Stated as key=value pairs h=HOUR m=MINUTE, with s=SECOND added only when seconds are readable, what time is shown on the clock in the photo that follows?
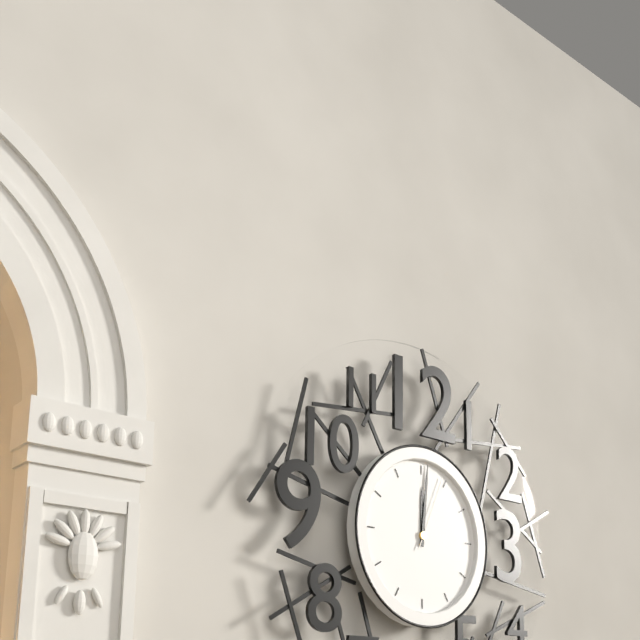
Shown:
h=12 m=1 s=4
